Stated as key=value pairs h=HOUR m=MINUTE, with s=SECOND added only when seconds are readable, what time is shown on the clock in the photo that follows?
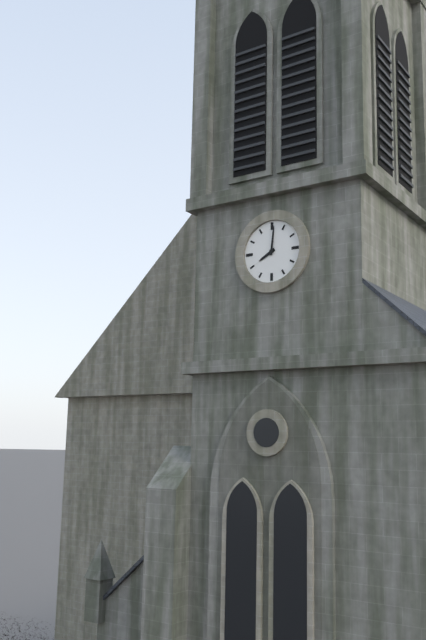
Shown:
h=8 m=1
